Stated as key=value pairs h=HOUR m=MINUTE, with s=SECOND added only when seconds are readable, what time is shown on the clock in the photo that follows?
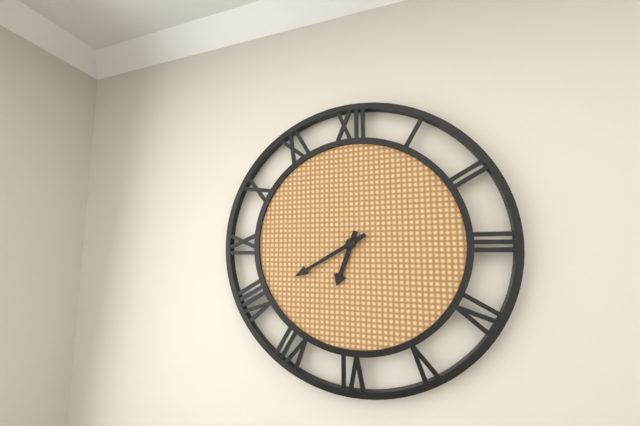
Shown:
h=6 m=40
